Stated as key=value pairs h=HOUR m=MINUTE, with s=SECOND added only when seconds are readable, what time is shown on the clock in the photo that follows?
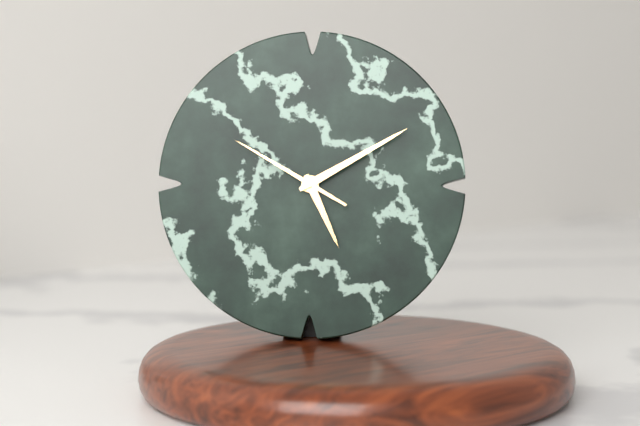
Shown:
h=5 m=10 s=50
